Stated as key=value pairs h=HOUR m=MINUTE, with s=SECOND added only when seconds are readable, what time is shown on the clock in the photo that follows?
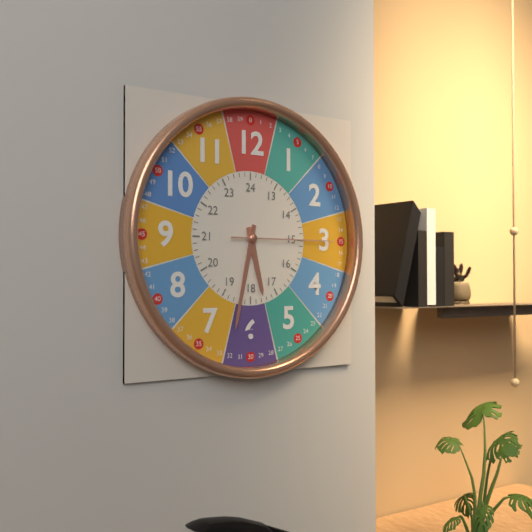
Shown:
h=5 m=32 s=15
